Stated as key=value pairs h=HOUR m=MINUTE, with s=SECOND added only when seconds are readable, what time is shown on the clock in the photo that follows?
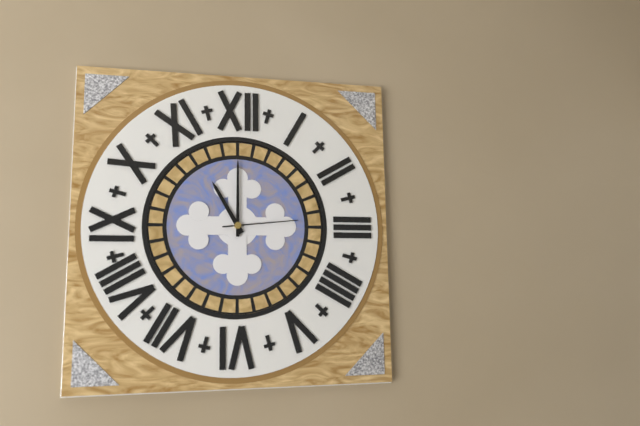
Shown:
h=11 m=0 s=14
